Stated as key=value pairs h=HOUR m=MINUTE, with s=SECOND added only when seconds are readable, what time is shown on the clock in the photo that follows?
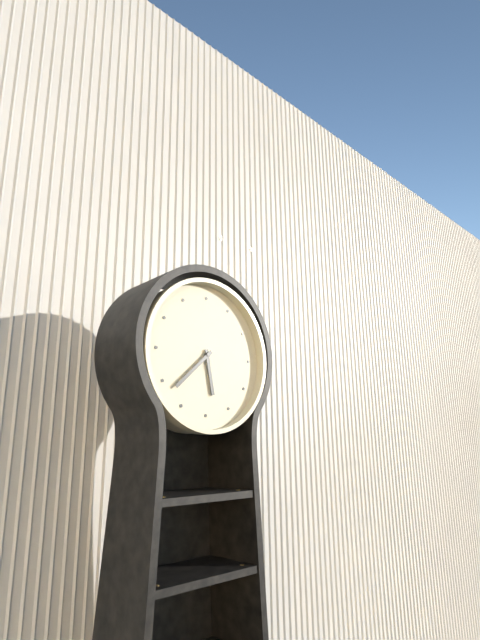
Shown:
h=5 m=38
